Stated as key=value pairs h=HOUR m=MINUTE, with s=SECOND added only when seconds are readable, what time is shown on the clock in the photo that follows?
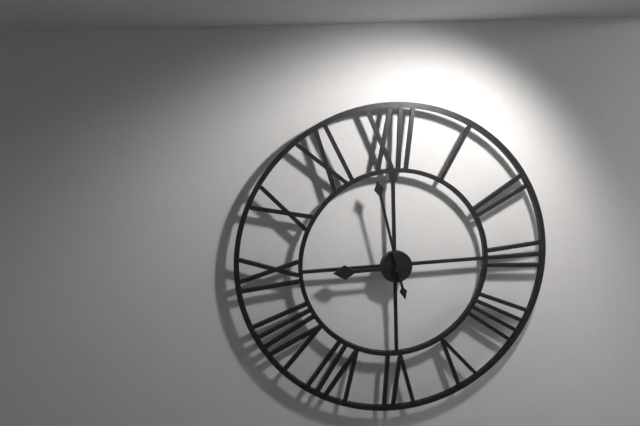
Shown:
h=8 m=58
